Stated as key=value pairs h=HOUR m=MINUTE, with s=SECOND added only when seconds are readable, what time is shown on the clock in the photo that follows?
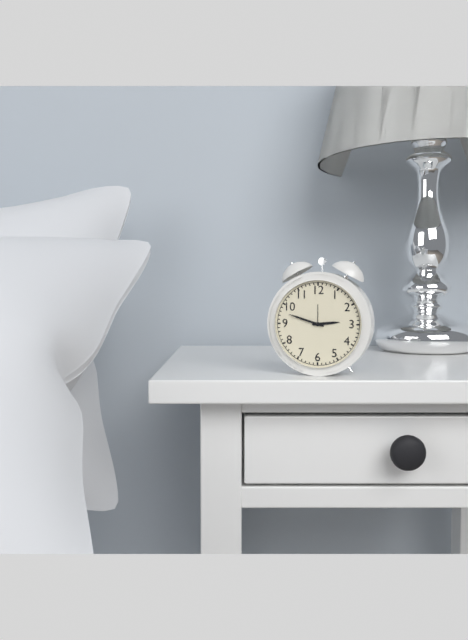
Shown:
h=2 m=48
